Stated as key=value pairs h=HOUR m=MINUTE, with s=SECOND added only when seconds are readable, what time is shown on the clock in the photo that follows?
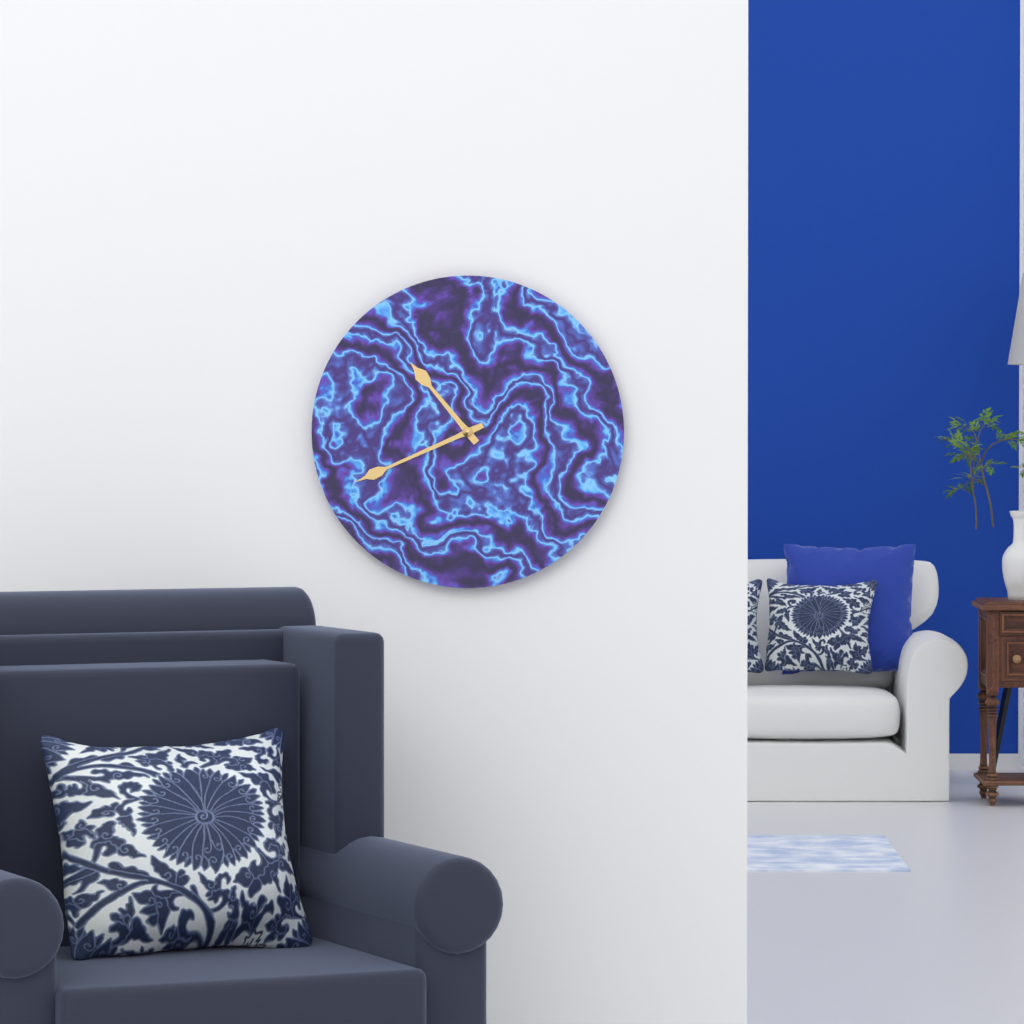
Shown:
h=10 m=41
